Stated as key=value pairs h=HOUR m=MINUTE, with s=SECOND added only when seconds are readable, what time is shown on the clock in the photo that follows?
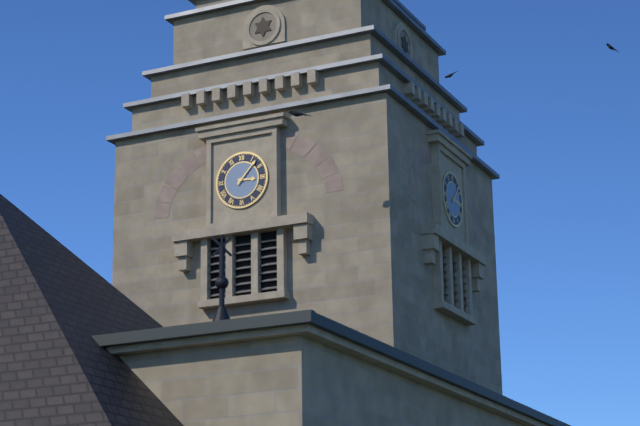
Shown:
h=3 m=7
